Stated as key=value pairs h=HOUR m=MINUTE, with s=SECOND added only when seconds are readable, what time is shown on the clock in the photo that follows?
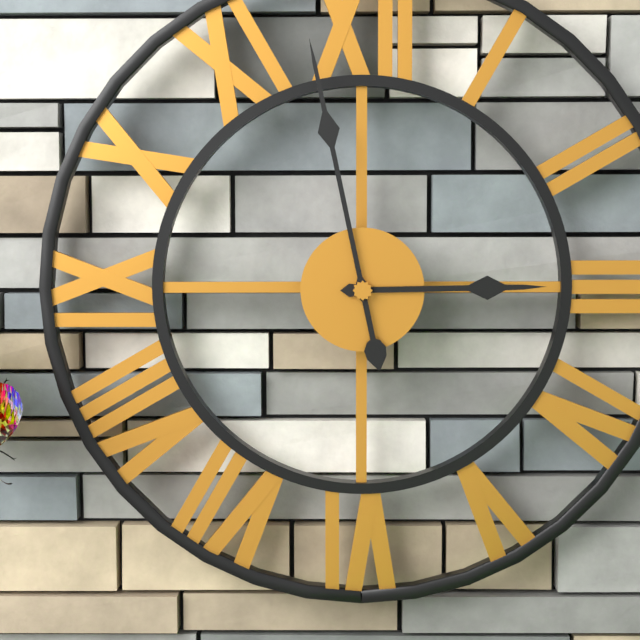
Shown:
h=2 m=58
